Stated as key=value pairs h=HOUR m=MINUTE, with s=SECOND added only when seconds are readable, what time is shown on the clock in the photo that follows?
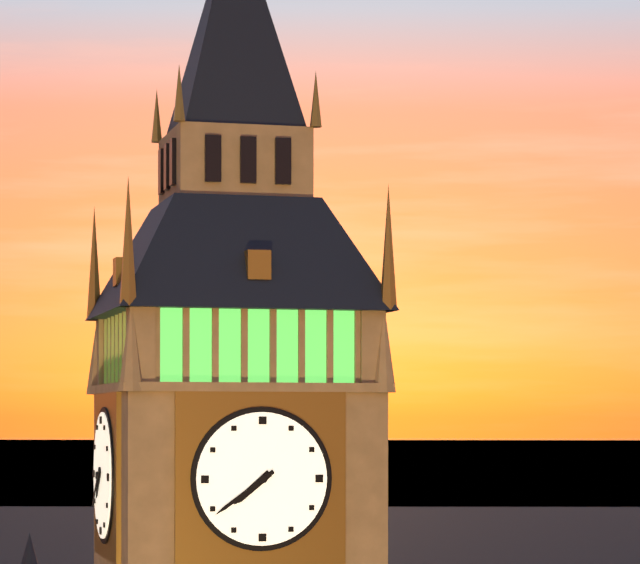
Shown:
h=7 m=39
